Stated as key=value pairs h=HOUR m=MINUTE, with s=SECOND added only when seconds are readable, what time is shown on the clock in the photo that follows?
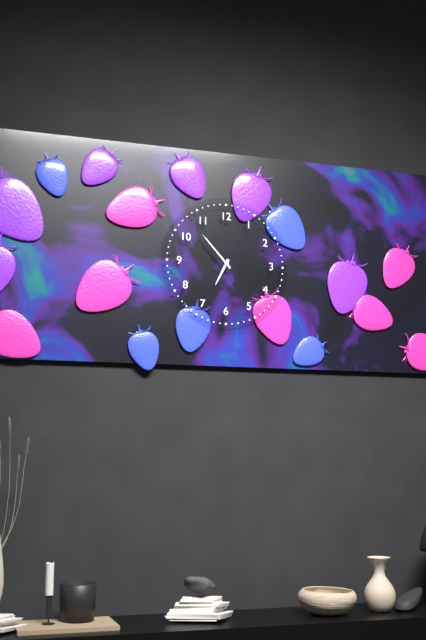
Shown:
h=6 m=53
